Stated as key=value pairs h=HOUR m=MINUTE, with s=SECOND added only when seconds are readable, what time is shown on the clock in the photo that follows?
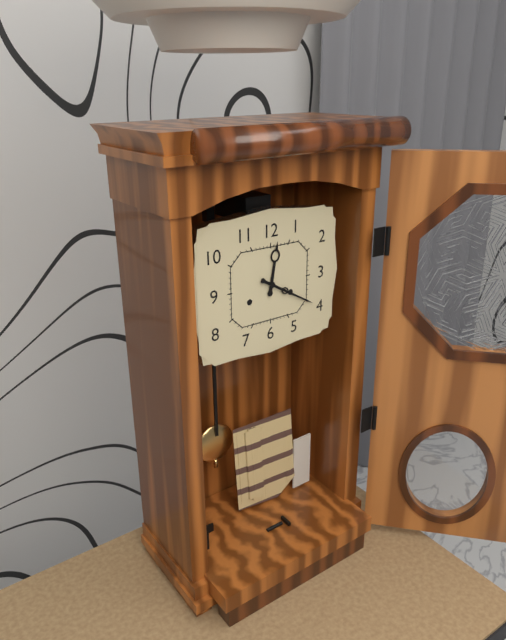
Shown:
h=12 m=20
